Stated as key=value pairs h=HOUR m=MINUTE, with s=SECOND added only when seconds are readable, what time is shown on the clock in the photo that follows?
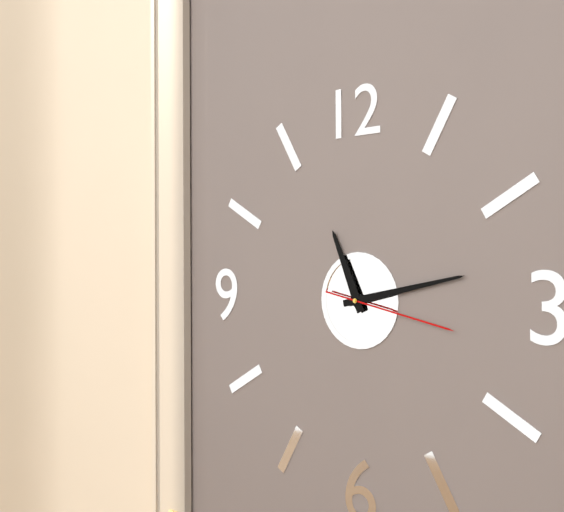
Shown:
h=11 m=13 s=17
